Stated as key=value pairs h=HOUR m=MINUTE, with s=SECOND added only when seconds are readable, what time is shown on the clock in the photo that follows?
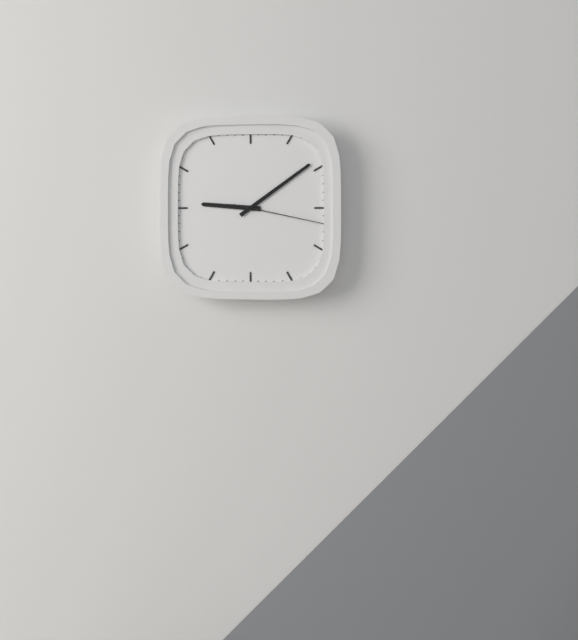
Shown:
h=9 m=9 s=17
